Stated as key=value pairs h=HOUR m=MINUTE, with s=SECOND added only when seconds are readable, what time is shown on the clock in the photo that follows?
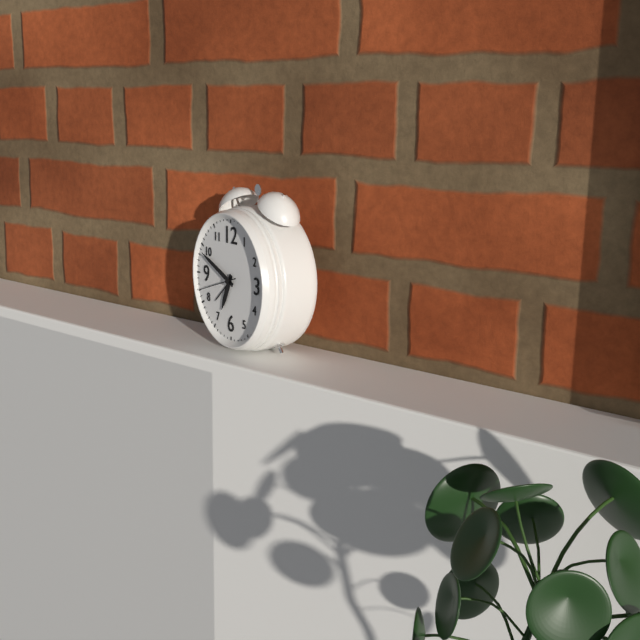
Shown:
h=6 m=49
